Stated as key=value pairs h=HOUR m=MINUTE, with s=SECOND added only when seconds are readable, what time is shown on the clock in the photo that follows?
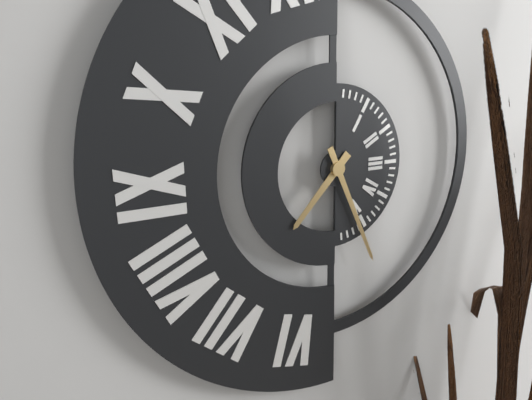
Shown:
h=7 m=26
